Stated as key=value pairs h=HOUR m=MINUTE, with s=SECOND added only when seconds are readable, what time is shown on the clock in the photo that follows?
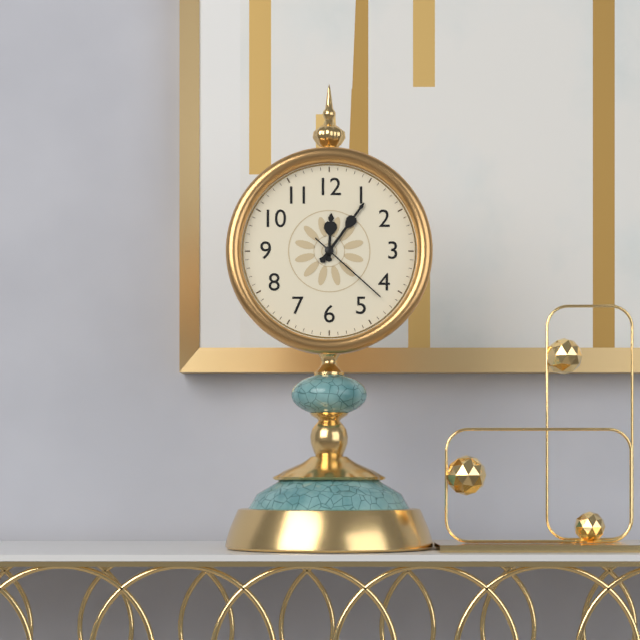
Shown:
h=12 m=6 s=22
